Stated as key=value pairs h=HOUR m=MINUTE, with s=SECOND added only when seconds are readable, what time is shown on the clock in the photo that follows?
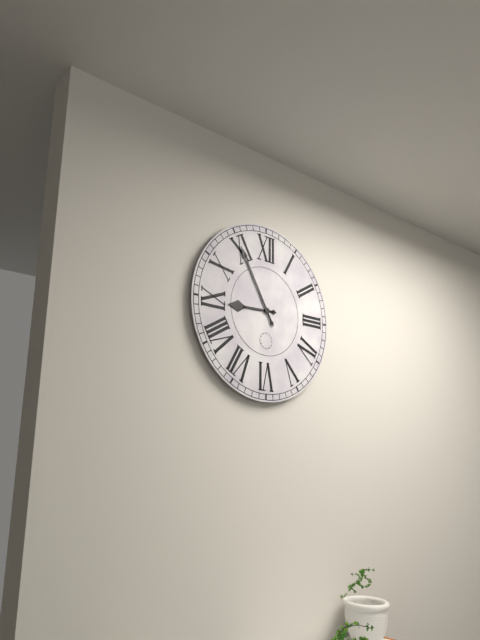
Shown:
h=8 m=55
